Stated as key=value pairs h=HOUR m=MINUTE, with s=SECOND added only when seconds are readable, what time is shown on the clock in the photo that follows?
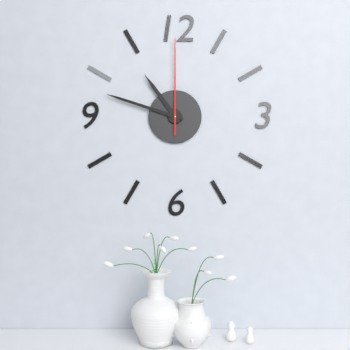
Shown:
h=10 m=48 s=0
